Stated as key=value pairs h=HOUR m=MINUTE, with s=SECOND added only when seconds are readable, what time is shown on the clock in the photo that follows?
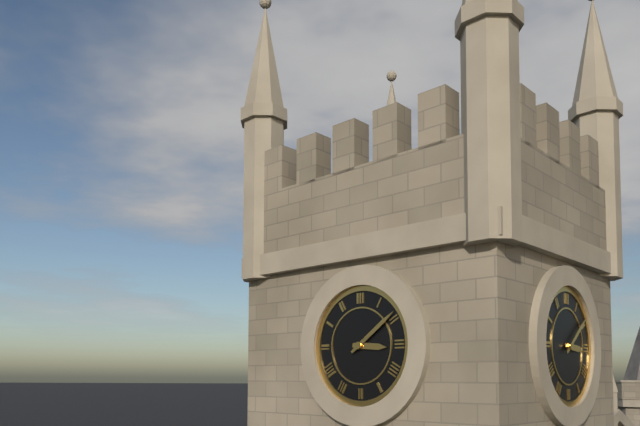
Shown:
h=3 m=9
